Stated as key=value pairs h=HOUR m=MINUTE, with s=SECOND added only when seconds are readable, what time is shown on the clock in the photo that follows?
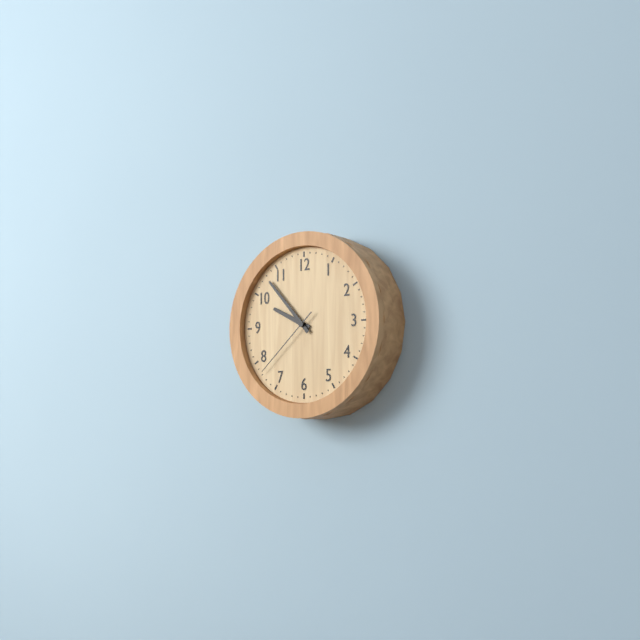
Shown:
h=9 m=53 s=38
